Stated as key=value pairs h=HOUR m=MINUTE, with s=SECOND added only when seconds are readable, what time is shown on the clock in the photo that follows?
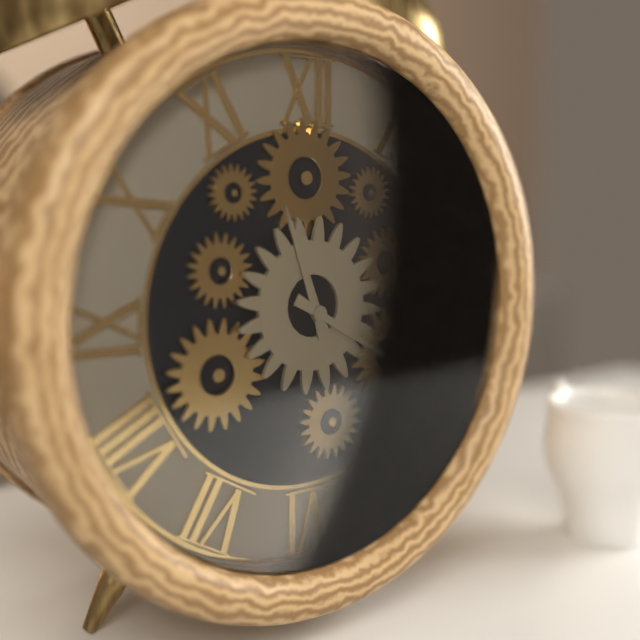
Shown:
h=11 m=20
